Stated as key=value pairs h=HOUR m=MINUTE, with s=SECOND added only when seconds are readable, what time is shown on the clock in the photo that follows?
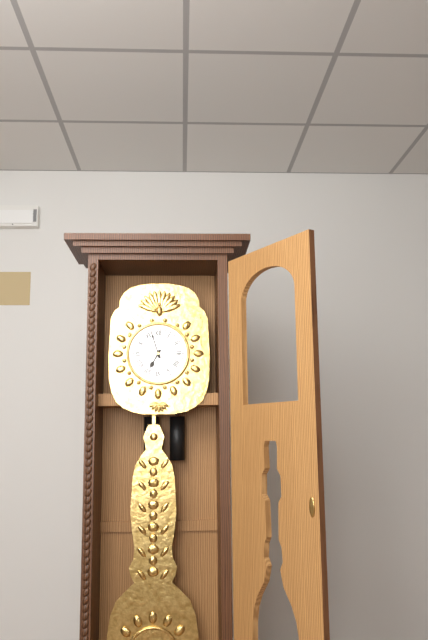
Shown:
h=6 m=57
